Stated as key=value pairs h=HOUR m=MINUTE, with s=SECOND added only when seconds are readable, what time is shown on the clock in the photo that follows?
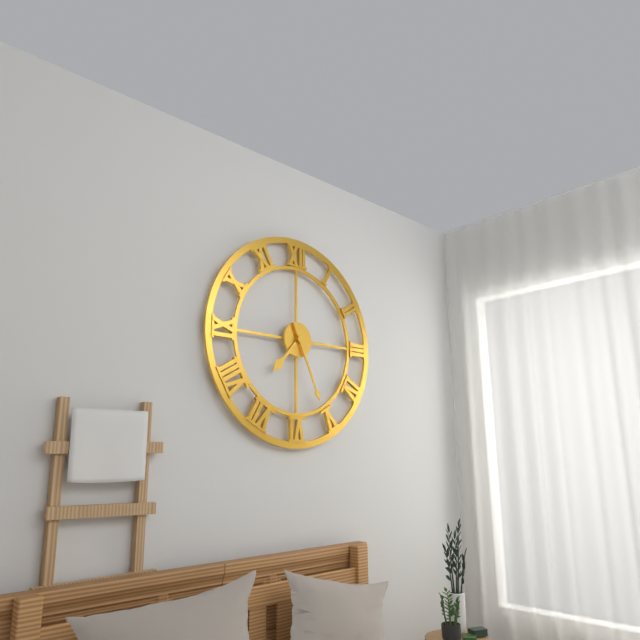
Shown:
h=7 m=26
